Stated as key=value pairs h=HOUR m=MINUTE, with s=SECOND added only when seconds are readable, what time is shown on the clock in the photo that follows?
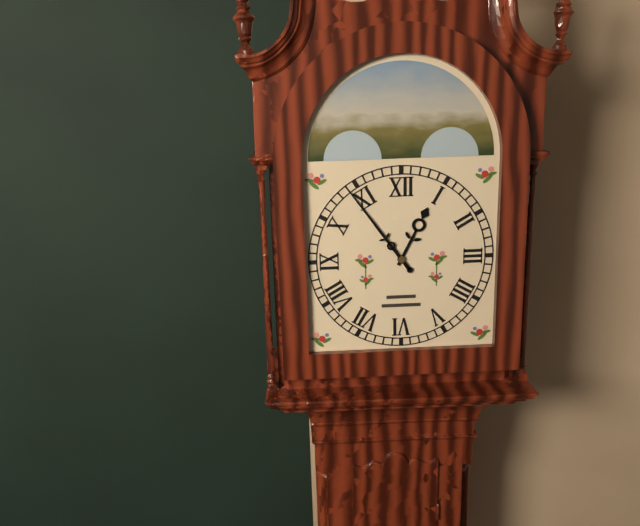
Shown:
h=12 m=54
